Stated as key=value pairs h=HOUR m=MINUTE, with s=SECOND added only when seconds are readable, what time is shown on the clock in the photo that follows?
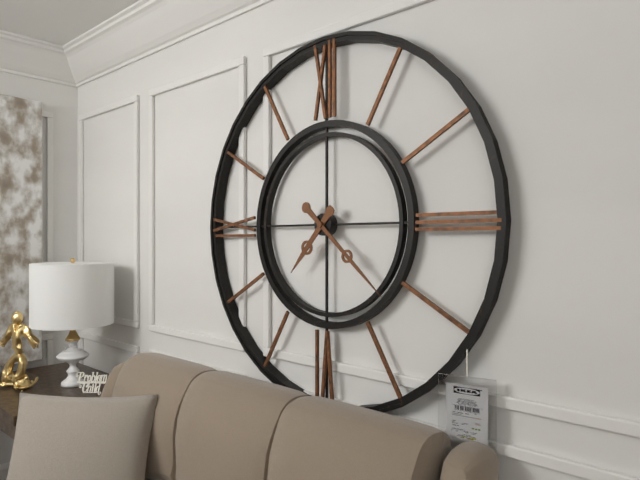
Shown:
h=7 m=22
